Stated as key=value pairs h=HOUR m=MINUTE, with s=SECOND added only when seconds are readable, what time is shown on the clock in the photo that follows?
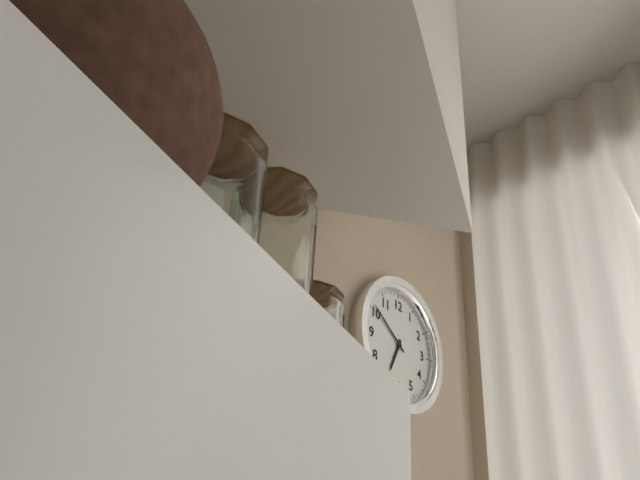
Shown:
h=6 m=51
